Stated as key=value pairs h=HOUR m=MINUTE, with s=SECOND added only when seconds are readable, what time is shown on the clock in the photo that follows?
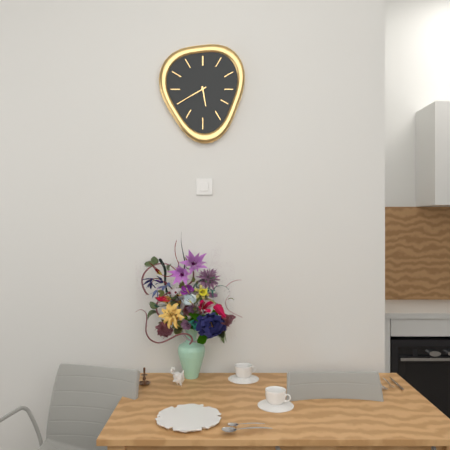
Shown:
h=5 m=40
